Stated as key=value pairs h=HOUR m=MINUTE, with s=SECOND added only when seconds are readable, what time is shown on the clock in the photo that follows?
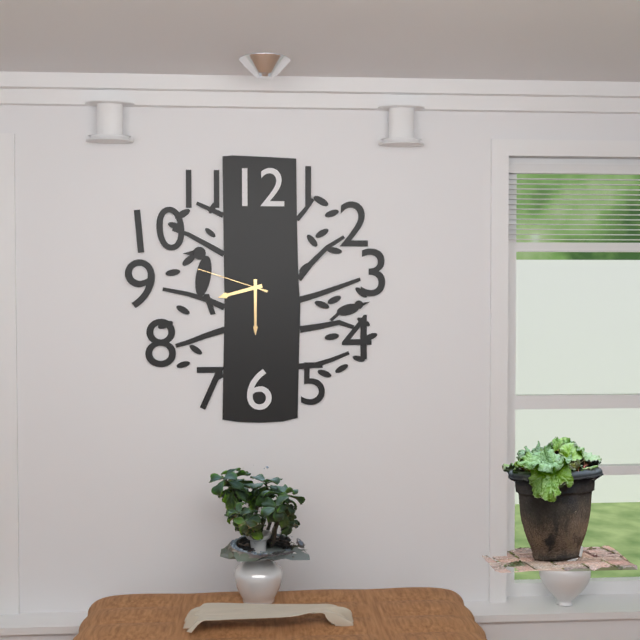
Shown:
h=8 m=30 s=48
